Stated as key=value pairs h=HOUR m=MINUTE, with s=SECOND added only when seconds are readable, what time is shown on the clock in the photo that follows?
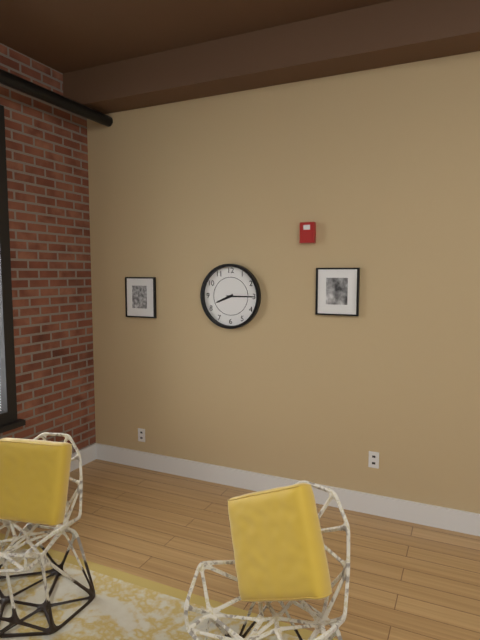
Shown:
h=8 m=15
